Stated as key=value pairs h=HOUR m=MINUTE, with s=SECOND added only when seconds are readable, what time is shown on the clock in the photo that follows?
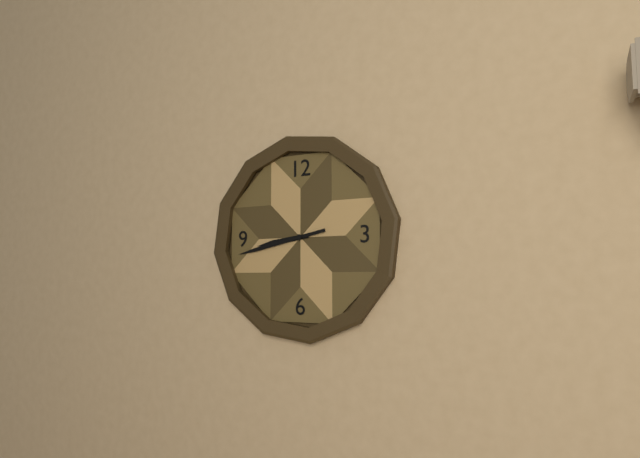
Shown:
h=8 m=43
